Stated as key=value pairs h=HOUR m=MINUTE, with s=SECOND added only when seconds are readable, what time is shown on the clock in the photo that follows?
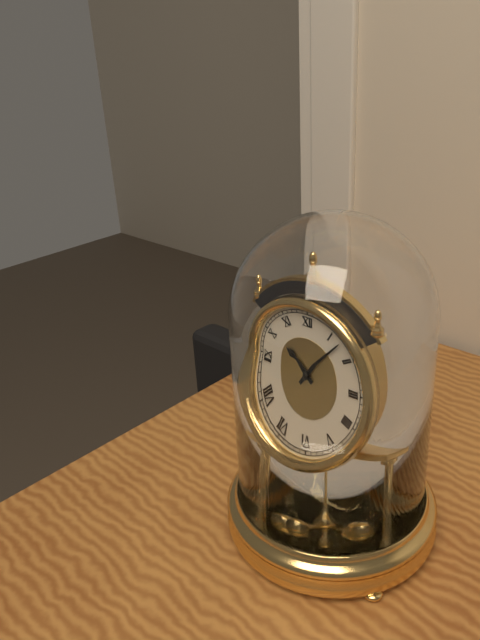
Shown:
h=10 m=7
